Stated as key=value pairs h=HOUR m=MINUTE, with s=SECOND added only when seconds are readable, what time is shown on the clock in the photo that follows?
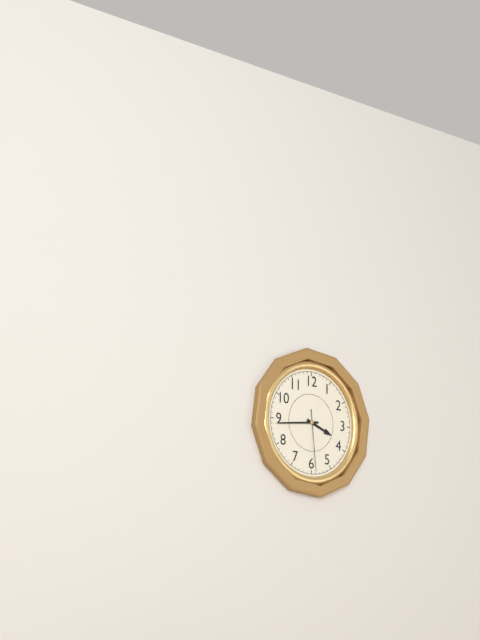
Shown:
h=3 m=44 s=29
